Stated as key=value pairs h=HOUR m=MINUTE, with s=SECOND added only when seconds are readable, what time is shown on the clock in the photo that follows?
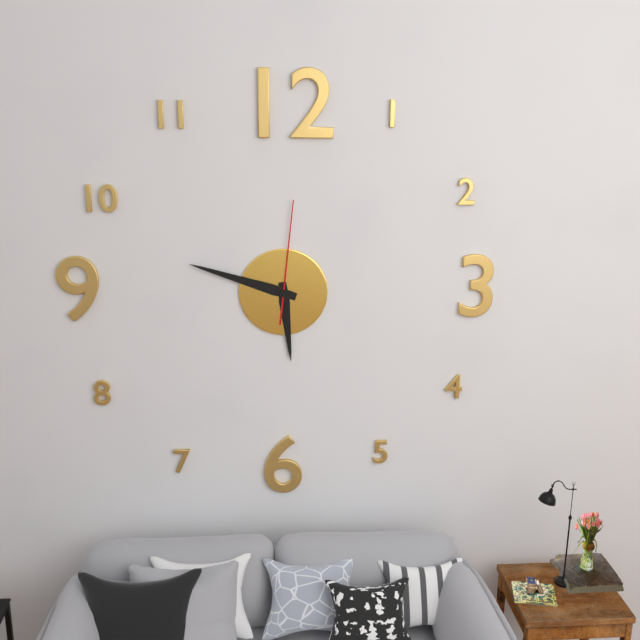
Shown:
h=5 m=48 s=1
